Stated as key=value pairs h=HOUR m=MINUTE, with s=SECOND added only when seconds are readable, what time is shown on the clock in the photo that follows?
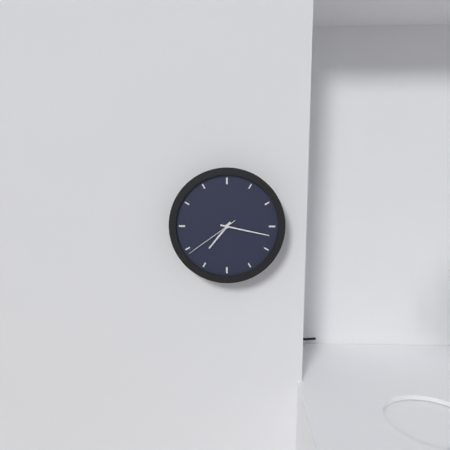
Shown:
h=7 m=17 s=39
